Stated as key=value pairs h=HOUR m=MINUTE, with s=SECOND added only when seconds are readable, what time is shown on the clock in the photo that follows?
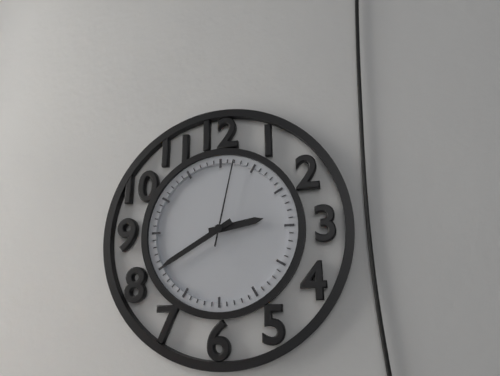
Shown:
h=2 m=40 s=2
